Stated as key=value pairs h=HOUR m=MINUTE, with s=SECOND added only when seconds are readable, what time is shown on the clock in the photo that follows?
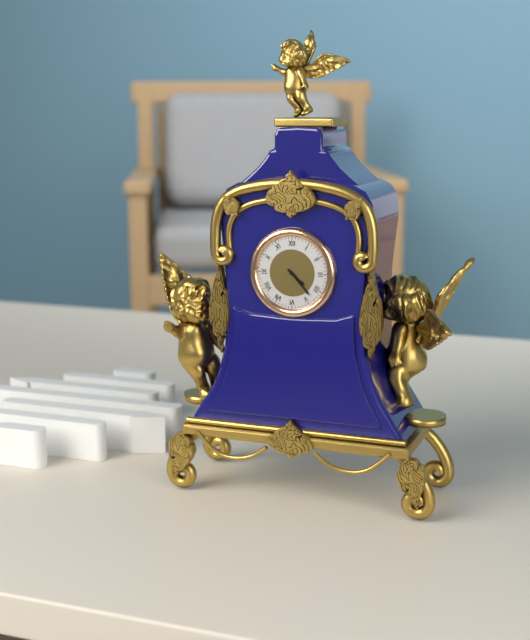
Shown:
h=4 m=23
